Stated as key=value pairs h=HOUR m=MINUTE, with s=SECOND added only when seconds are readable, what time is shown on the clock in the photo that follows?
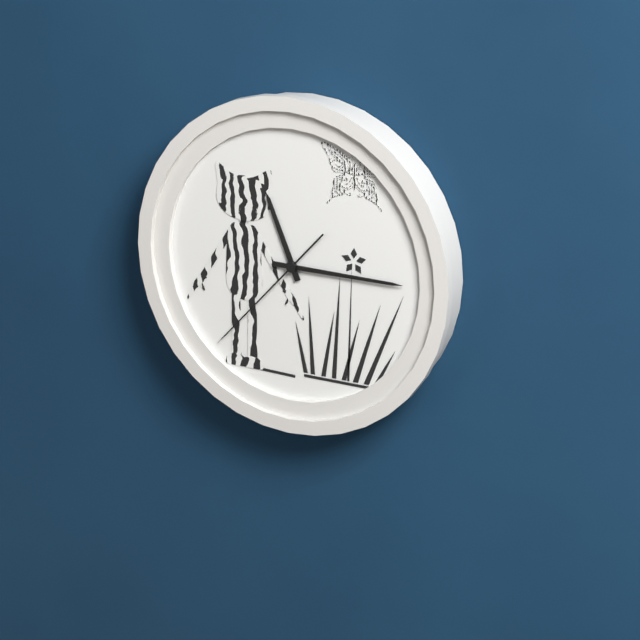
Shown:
h=11 m=15 s=37
